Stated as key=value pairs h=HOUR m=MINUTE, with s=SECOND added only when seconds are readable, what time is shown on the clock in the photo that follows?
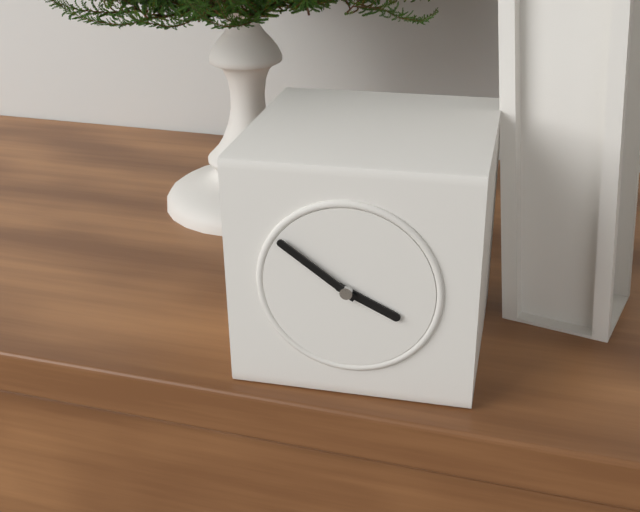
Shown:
h=3 m=51
